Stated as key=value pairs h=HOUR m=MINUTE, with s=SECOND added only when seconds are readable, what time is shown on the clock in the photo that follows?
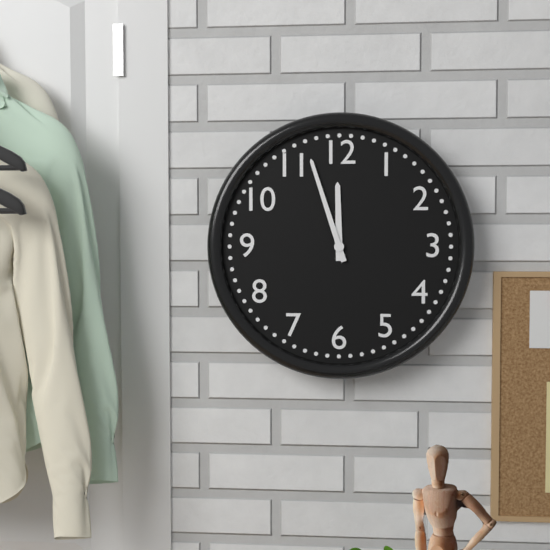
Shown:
h=11 m=57
